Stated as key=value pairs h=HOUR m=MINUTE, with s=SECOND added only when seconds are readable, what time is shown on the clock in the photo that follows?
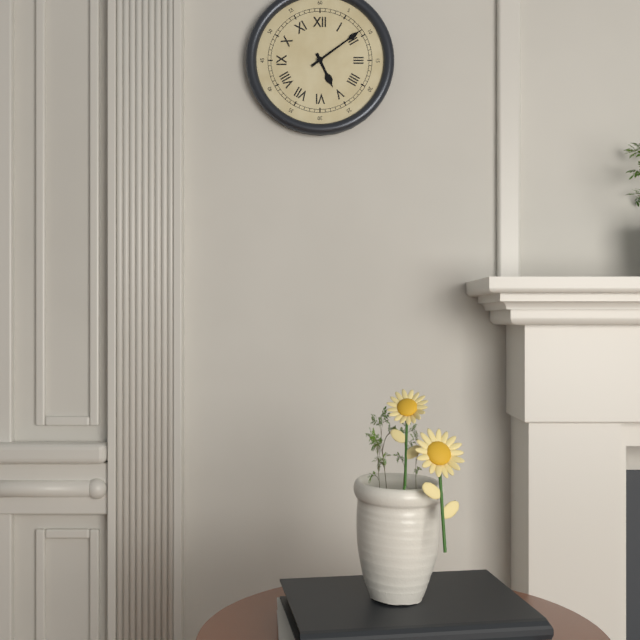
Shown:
h=5 m=9
